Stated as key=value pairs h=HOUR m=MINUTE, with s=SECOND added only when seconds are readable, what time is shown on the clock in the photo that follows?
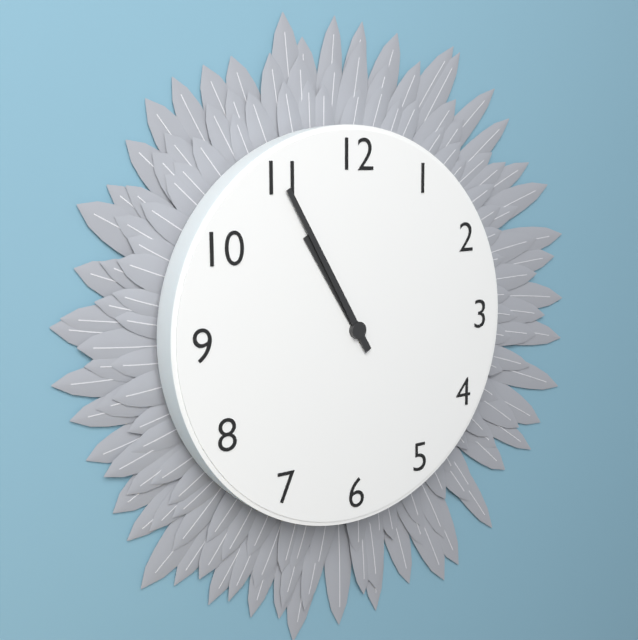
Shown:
h=10 m=55
